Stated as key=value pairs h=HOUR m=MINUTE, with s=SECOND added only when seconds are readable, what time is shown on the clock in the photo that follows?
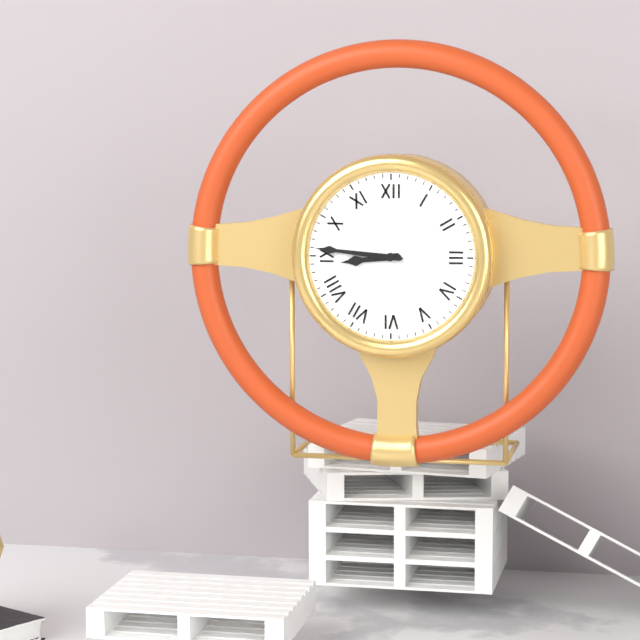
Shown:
h=8 m=46
